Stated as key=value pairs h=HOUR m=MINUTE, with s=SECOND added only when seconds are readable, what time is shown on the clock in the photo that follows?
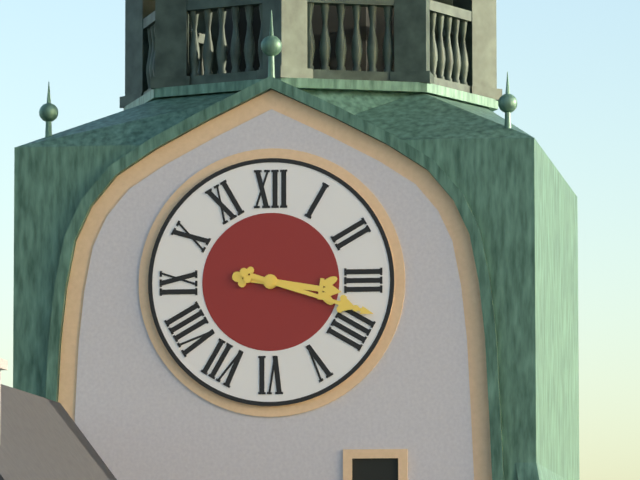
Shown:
h=3 m=18
